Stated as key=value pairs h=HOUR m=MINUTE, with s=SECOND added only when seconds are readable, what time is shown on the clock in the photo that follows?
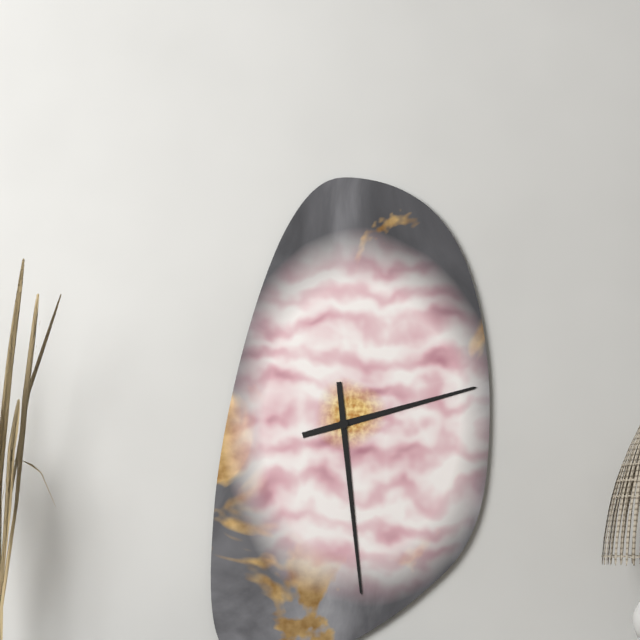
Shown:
h=2 m=29
